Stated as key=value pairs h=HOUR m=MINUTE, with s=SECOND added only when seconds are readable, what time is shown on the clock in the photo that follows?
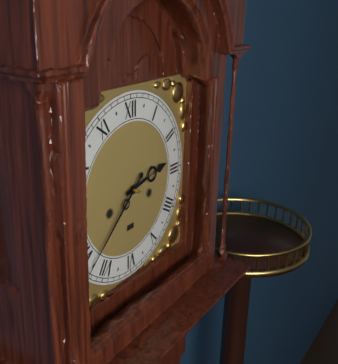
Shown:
h=2 m=38
